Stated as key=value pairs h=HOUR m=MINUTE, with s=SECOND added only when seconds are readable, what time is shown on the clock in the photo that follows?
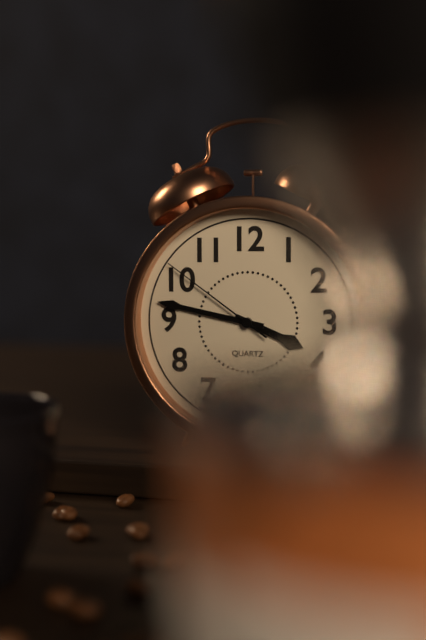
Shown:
h=3 m=47 s=51
